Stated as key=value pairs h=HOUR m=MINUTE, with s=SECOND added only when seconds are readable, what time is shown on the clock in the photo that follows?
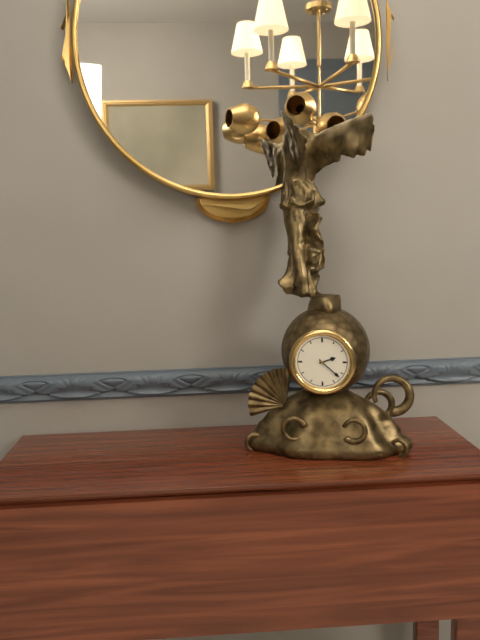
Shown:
h=2 m=22
